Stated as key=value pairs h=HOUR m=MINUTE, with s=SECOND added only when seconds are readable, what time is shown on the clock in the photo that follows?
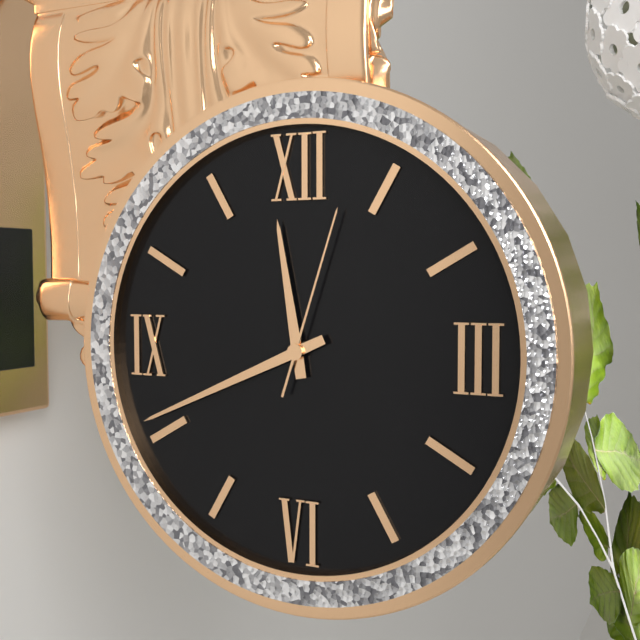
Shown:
h=11 m=41 s=3
